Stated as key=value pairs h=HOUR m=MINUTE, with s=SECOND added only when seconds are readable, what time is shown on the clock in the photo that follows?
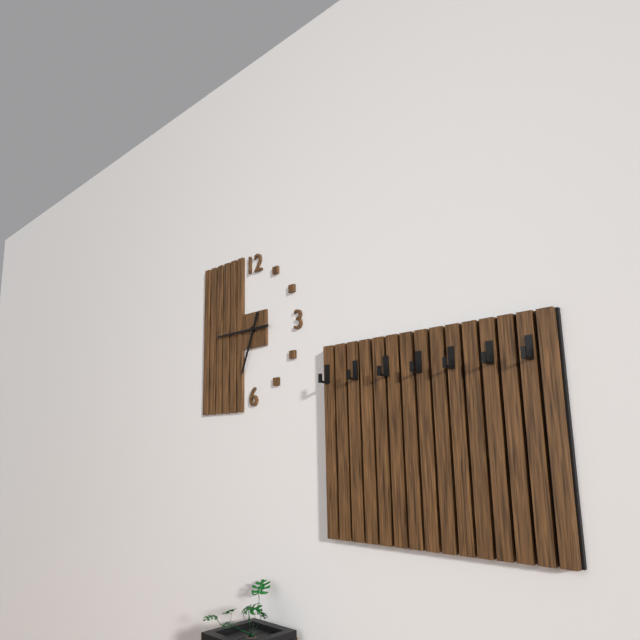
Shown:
h=6 m=45
